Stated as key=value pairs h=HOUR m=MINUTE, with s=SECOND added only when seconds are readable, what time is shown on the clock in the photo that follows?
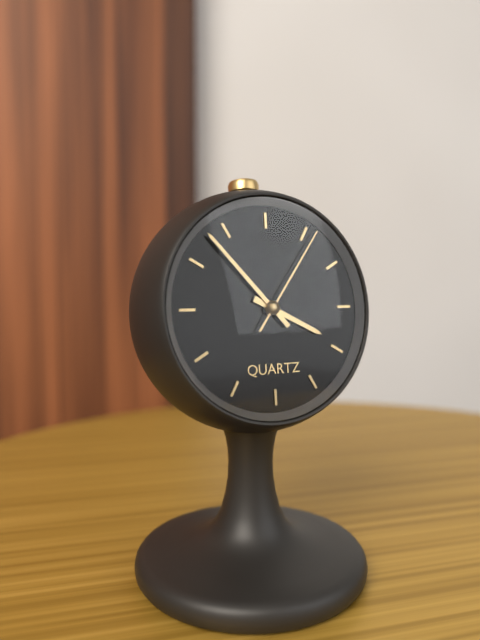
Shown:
h=3 m=53 s=6
